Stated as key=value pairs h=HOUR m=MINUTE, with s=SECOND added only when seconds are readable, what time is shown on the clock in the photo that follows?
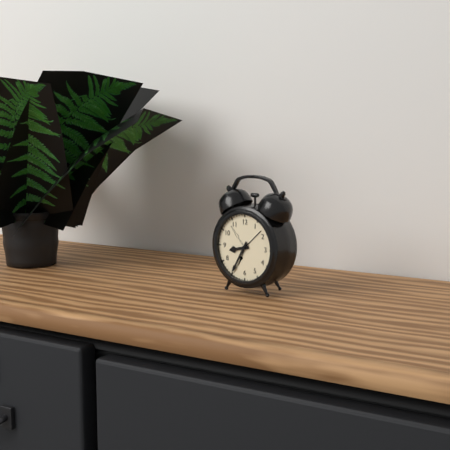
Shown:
h=8 m=35
